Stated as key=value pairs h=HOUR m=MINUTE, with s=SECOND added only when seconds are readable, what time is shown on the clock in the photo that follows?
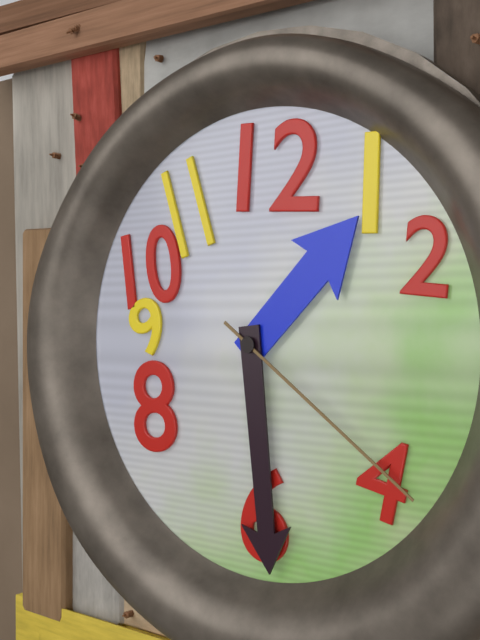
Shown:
h=1 m=29 s=21
